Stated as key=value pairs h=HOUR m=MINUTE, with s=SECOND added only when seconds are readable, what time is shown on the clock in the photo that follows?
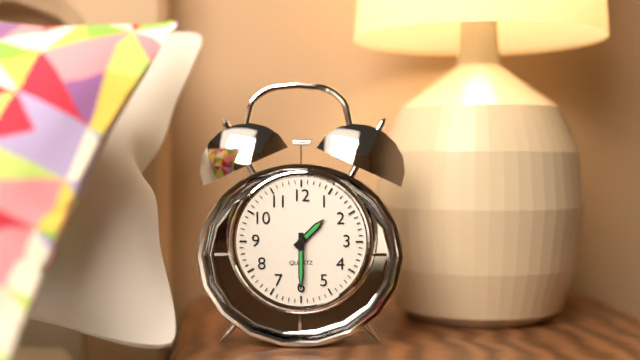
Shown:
h=1 m=30
